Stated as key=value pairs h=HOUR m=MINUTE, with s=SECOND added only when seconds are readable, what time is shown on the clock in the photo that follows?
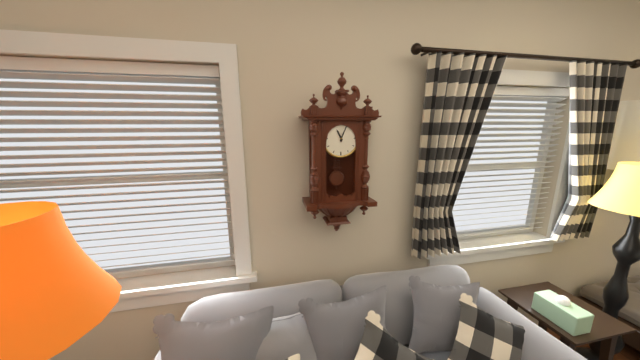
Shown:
h=11 m=4
